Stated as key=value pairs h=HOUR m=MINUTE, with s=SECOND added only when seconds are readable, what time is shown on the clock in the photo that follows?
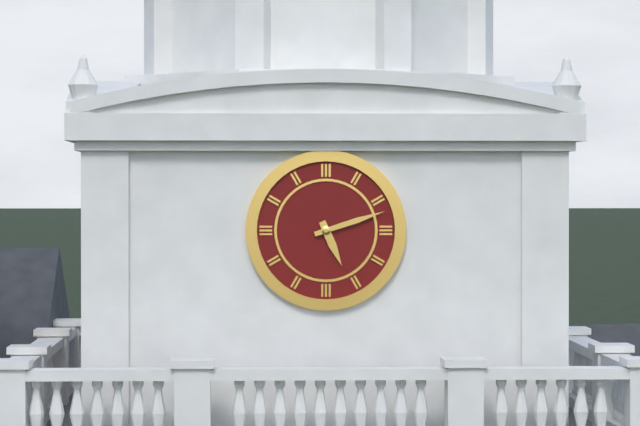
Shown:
h=5 m=12
